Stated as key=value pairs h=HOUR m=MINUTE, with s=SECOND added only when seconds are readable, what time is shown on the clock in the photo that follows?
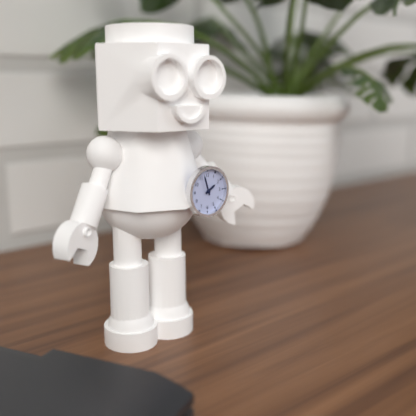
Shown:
h=1 m=57
